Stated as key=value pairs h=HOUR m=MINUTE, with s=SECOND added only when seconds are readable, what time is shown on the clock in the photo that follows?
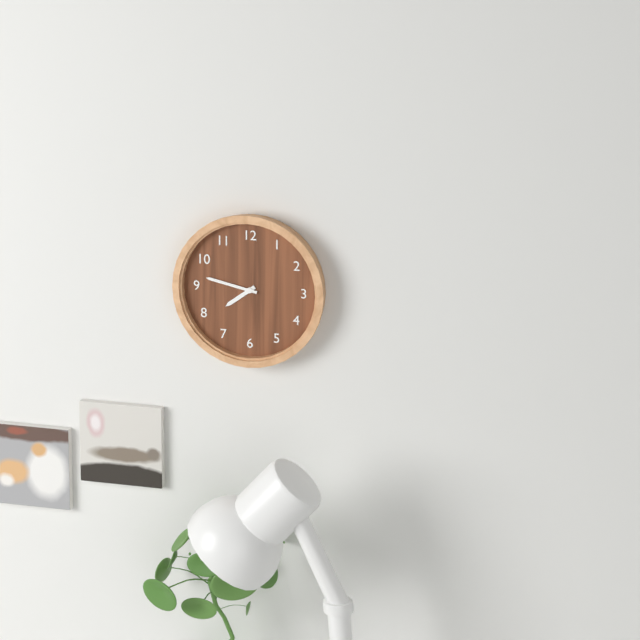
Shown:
h=7 m=47
